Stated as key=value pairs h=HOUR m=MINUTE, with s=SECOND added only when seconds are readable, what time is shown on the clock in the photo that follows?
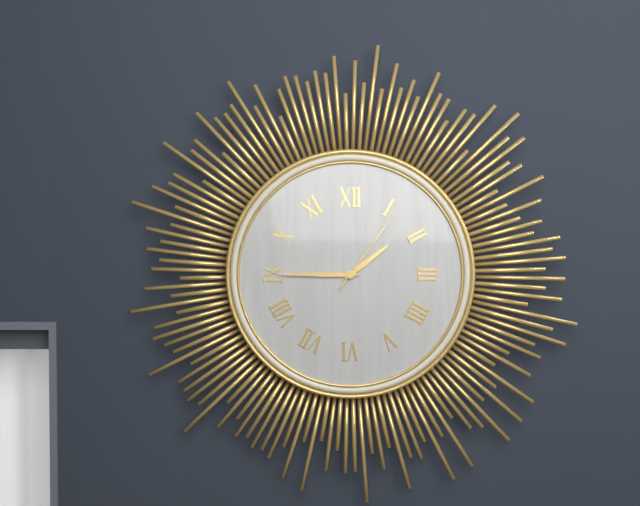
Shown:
h=1 m=45 s=6
